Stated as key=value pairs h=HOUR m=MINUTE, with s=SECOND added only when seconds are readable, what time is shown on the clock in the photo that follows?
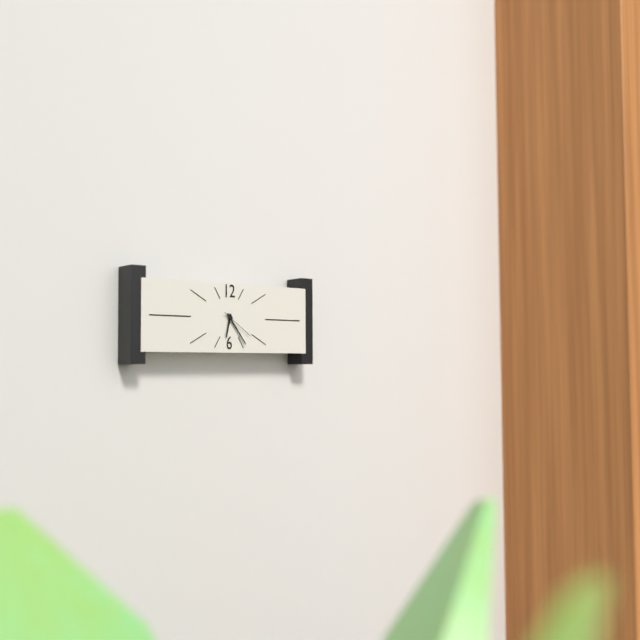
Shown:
h=6 m=24
